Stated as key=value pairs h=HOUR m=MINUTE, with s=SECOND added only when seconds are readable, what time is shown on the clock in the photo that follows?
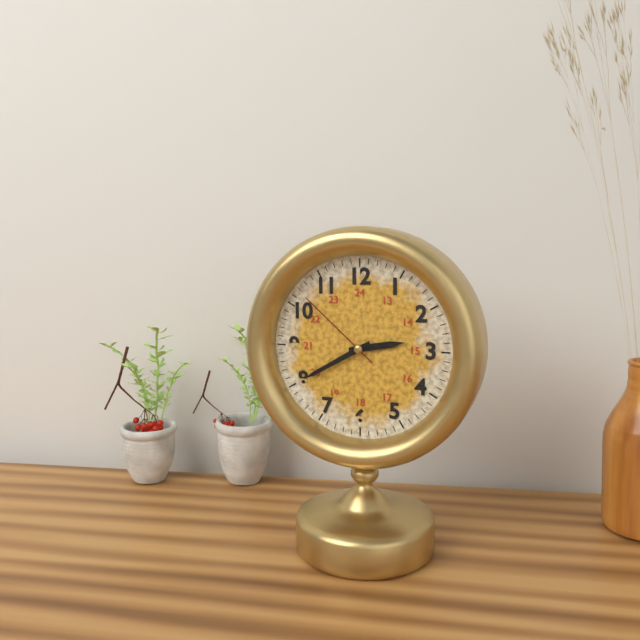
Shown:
h=2 m=40 s=52
